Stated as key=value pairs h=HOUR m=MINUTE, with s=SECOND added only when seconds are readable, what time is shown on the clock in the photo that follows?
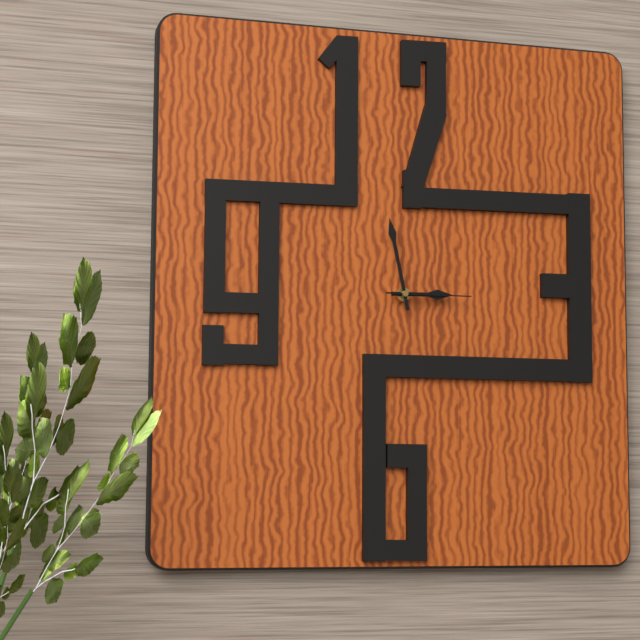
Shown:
h=2 m=58 s=15
